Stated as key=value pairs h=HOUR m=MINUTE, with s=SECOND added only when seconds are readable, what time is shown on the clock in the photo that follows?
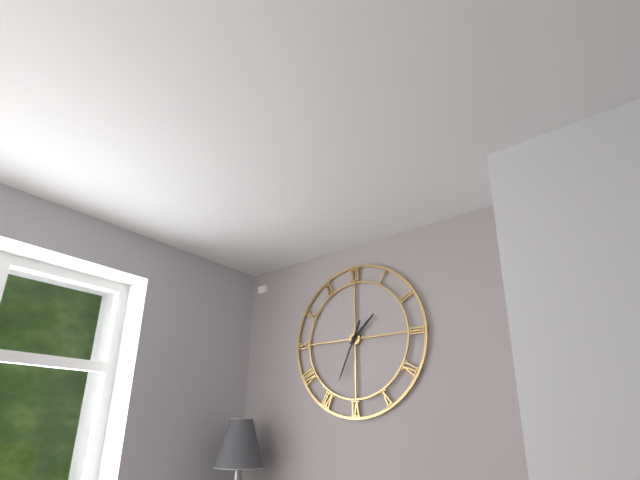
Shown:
h=1 m=34
